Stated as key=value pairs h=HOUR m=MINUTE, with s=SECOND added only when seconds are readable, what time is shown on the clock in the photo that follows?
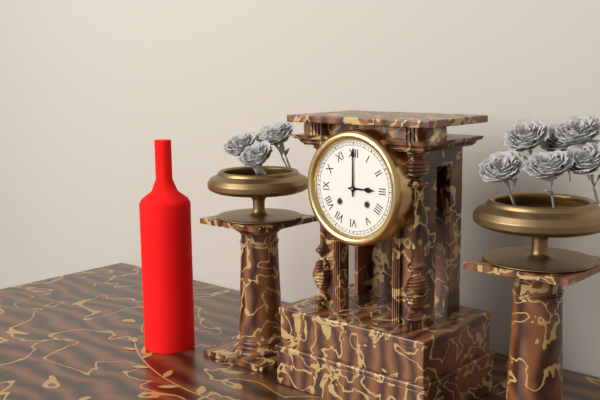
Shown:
h=3 m=0
